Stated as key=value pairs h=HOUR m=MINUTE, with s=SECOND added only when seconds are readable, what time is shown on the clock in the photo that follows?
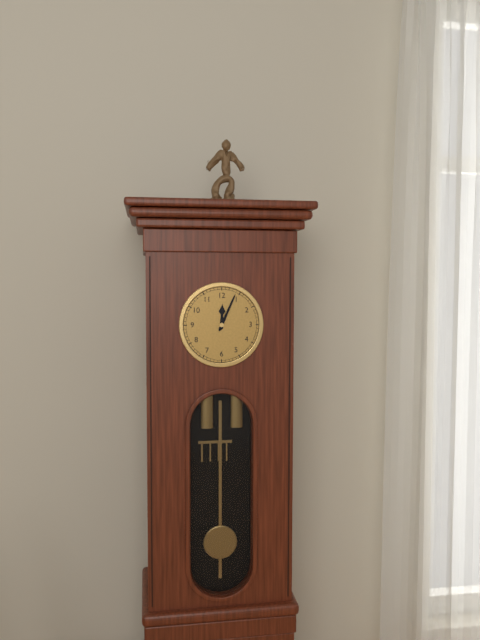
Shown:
h=12 m=4
